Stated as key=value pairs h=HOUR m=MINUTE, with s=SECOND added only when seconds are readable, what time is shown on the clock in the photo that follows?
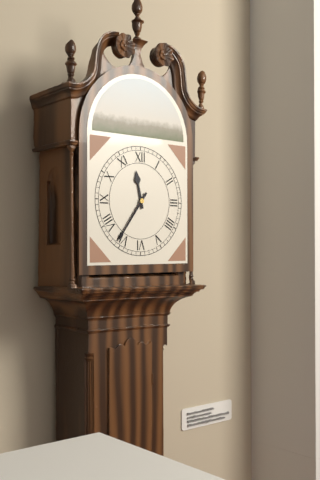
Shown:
h=11 m=36
